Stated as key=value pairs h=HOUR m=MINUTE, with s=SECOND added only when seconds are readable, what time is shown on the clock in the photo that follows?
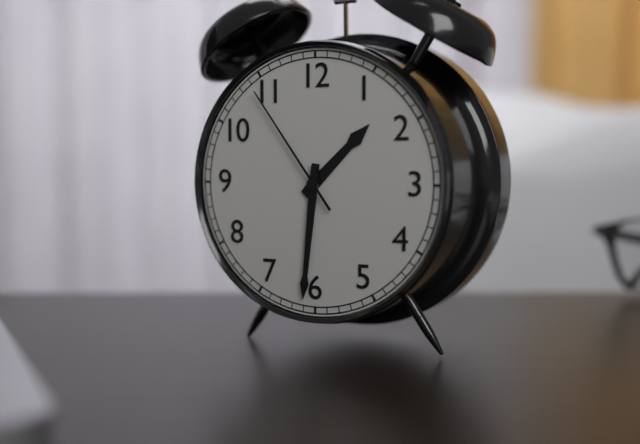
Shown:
h=1 m=31 s=54
